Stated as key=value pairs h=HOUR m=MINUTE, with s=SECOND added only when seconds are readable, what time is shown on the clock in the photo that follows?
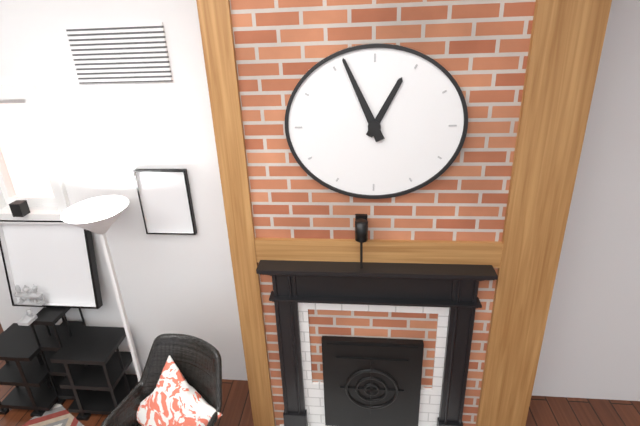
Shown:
h=12 m=56
